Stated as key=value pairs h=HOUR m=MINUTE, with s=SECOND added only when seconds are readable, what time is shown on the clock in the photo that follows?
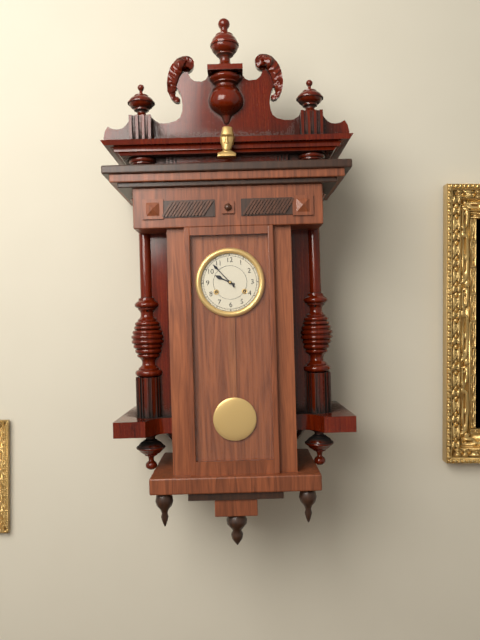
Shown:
h=9 m=53
